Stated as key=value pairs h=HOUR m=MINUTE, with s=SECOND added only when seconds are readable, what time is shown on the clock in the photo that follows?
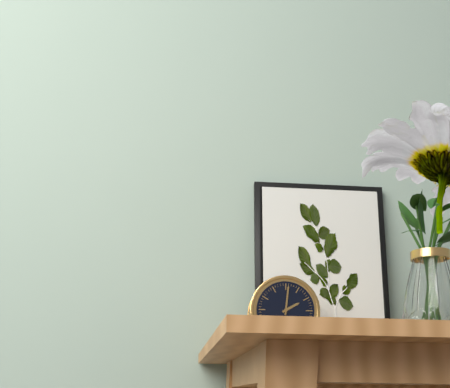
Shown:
h=2 m=1
